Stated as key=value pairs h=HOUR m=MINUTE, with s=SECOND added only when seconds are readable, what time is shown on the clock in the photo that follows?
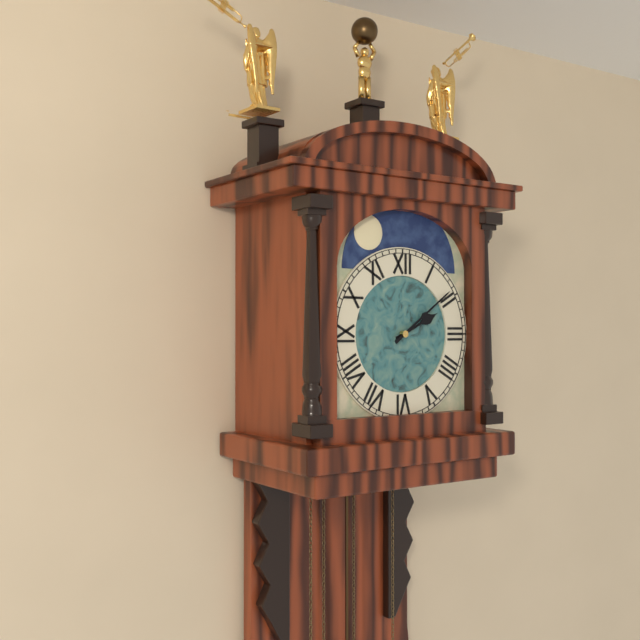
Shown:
h=2 m=9
